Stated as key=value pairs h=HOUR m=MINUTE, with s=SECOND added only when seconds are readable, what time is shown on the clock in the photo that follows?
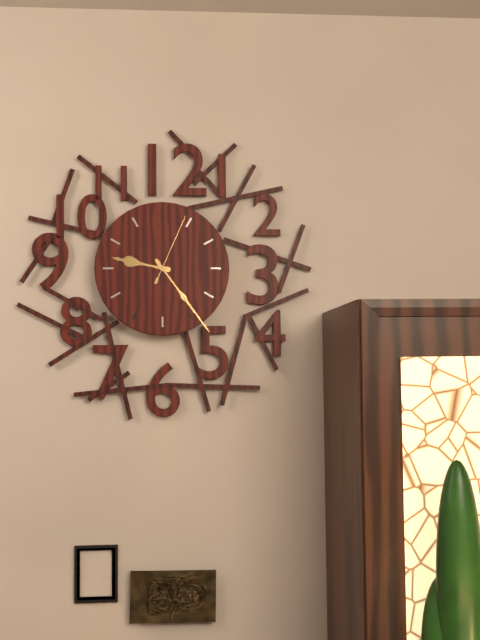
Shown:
h=9 m=24 s=4
